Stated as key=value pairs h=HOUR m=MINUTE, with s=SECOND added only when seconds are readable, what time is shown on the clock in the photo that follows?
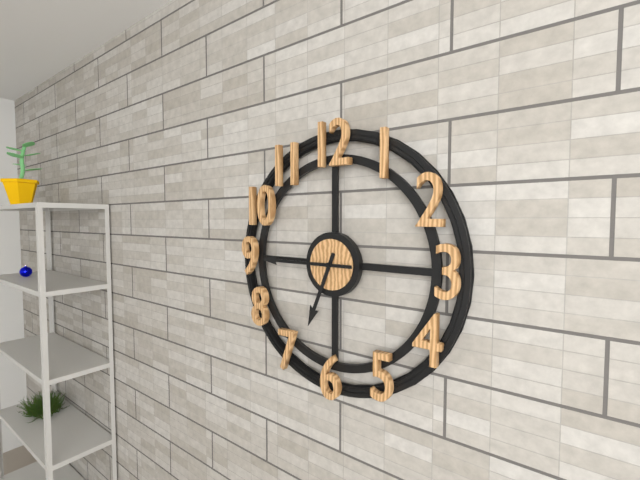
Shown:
h=6 m=45
